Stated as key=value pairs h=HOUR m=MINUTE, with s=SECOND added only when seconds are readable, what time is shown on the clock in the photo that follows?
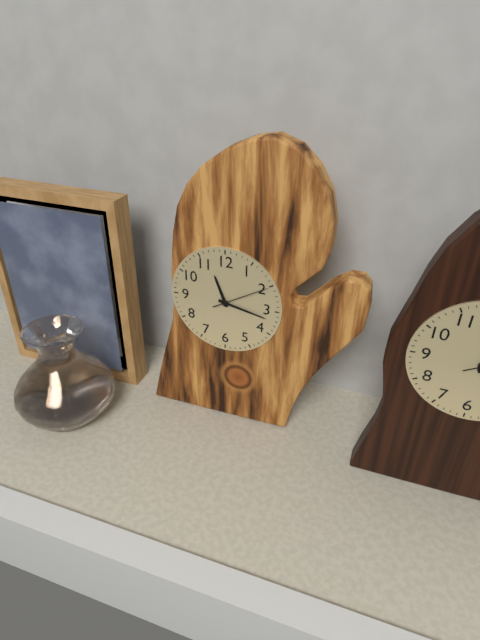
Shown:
h=11 m=17 s=10
